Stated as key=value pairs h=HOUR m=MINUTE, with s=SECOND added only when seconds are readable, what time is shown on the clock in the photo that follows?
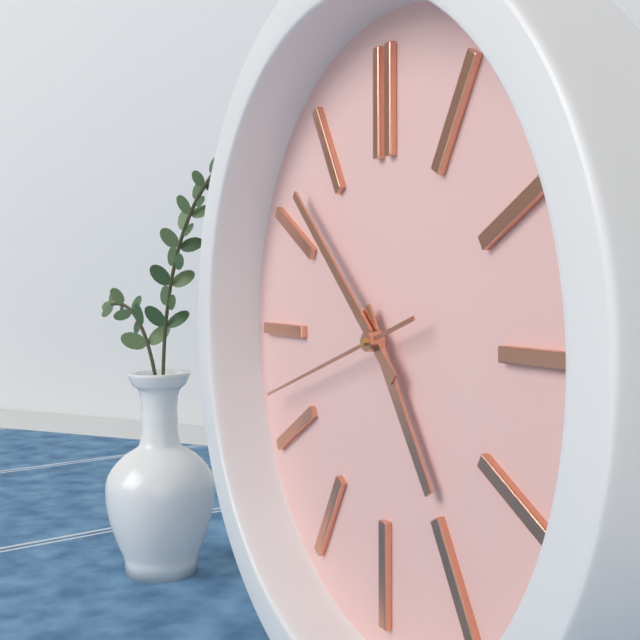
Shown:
h=4 m=52 s=42
